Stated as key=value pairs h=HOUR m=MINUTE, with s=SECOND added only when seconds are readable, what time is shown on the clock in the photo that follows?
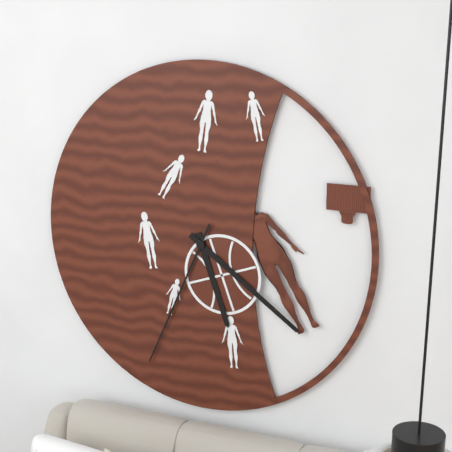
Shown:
h=5 m=21 s=34
